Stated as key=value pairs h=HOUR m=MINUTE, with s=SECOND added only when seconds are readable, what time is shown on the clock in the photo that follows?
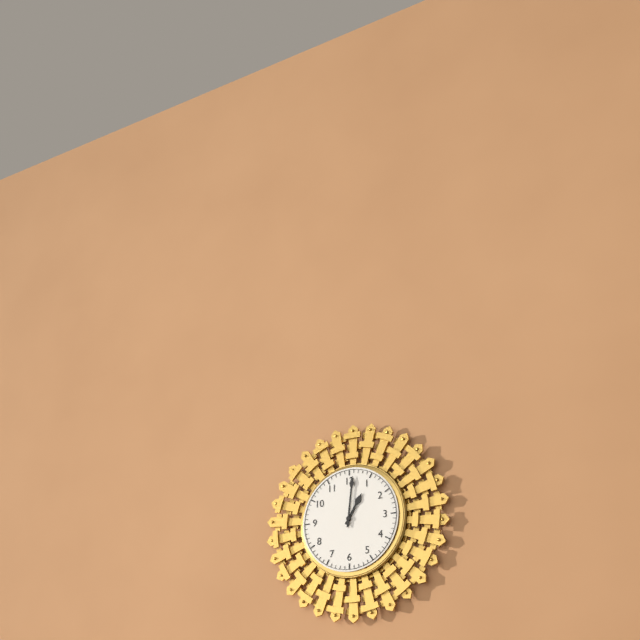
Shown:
h=1 m=1
